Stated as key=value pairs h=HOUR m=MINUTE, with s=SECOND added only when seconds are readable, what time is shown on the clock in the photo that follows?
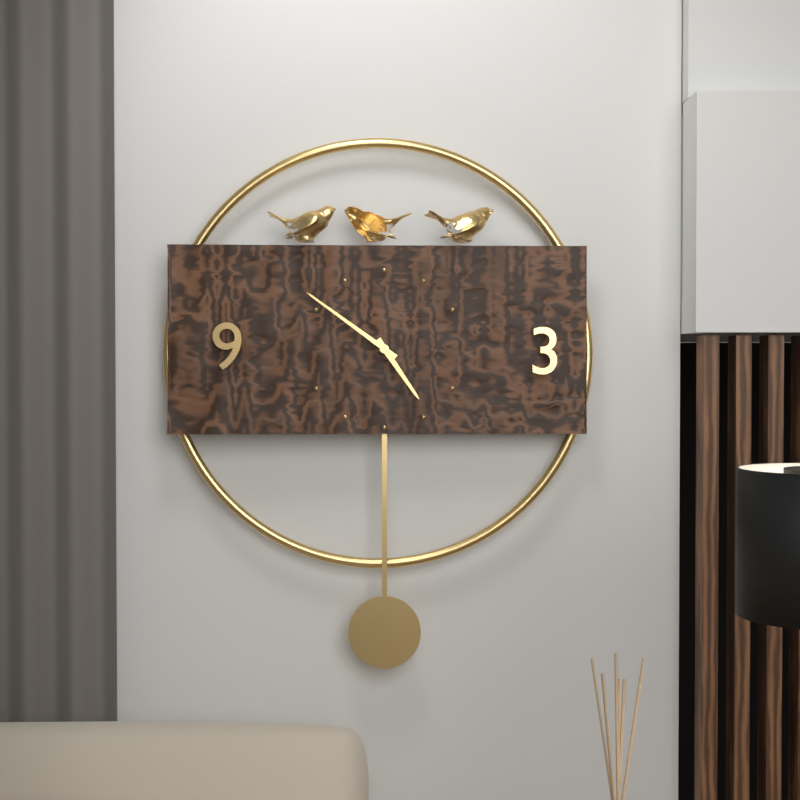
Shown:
h=4 m=51
